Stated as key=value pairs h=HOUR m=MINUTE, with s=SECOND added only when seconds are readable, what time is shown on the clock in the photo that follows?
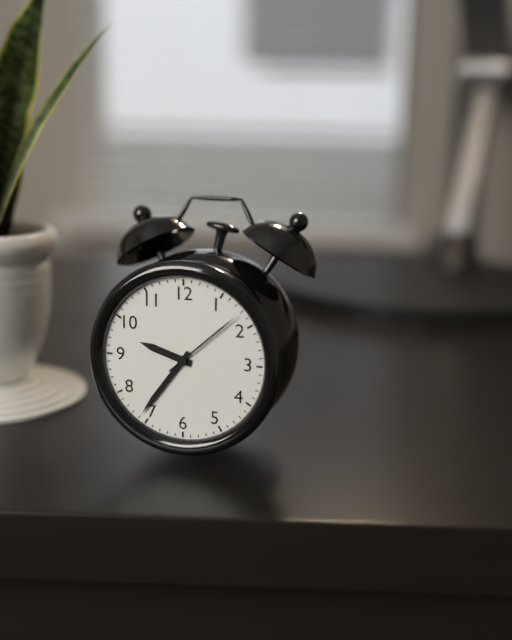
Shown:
h=9 m=36 s=8
